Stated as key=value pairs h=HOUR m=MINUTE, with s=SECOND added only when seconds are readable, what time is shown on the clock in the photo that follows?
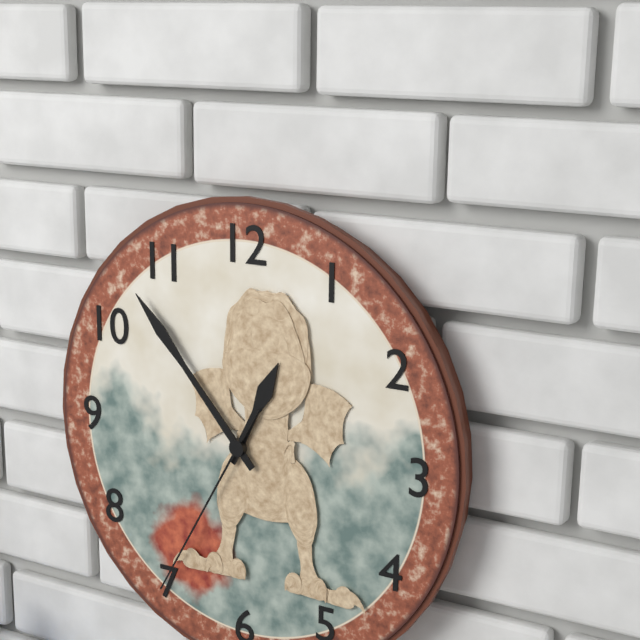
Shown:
h=12 m=53 s=35
